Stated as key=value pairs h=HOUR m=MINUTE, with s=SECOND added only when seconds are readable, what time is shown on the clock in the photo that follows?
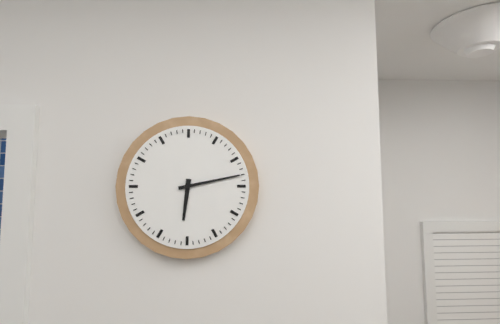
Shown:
h=6 m=13
